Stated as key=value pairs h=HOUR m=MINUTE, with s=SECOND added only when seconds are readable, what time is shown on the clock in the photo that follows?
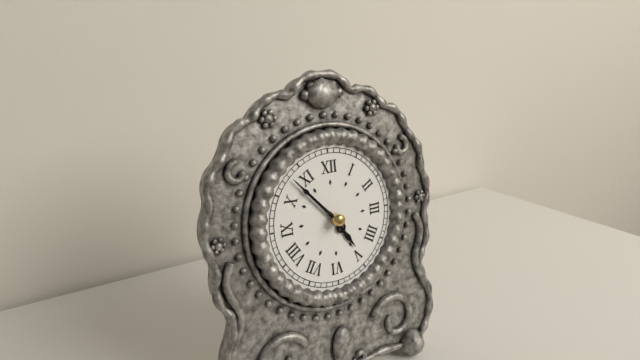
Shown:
h=4 m=53
